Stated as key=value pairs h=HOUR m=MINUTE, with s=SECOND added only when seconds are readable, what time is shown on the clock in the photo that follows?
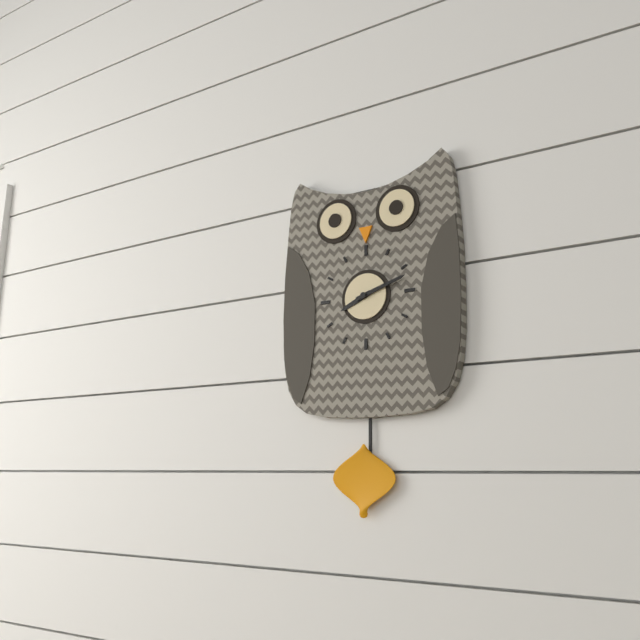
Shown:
h=8 m=12
